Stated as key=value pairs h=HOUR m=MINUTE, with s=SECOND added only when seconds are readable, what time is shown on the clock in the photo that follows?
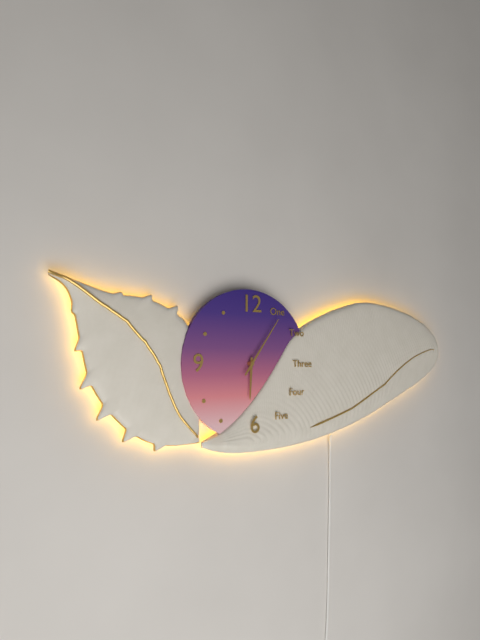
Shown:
h=6 m=6
